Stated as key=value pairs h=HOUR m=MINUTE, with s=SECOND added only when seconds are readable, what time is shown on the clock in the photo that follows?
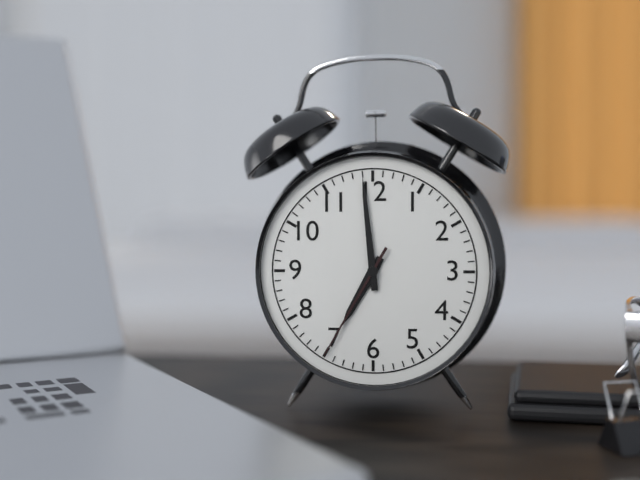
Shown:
h=6 m=59 s=35
